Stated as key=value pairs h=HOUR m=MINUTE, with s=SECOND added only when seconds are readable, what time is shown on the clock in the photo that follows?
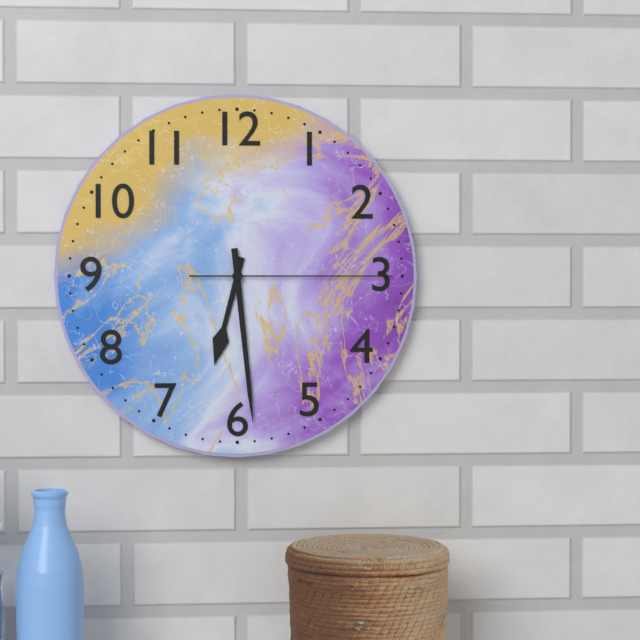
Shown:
h=6 m=29 s=15
